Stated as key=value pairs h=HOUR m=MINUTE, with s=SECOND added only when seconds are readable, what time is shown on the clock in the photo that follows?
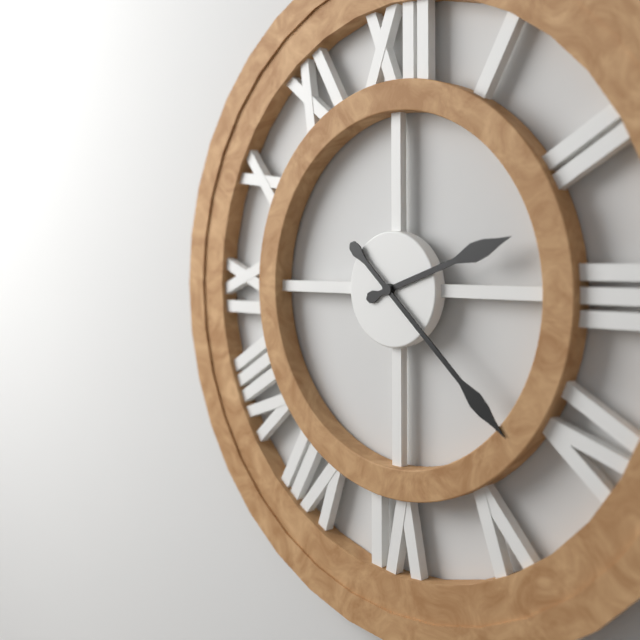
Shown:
h=2 m=22
